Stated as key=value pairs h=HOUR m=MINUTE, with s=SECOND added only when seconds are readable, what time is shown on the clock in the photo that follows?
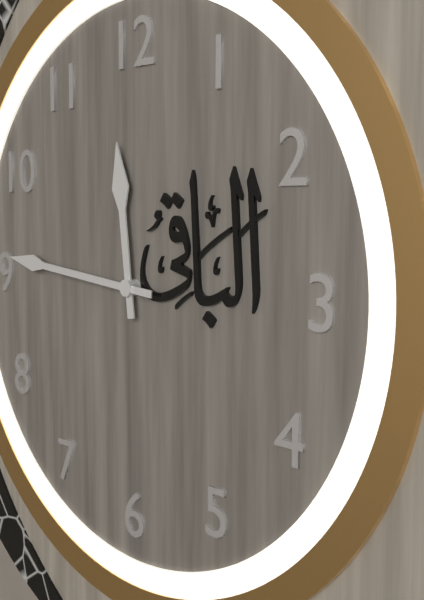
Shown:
h=11 m=46
